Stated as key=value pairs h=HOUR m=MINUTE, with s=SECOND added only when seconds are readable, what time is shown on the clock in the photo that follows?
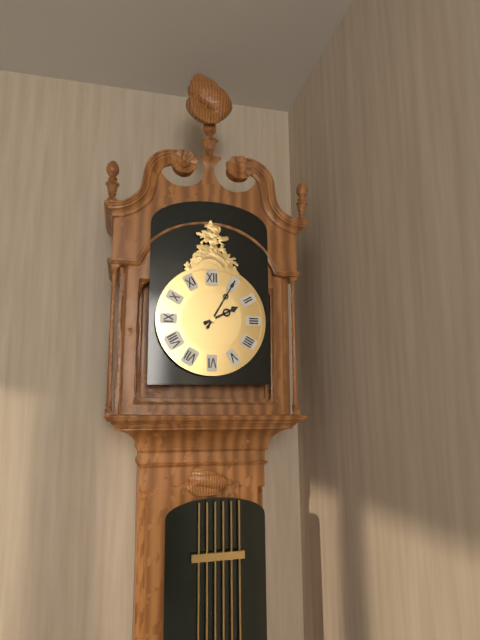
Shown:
h=2 m=5
